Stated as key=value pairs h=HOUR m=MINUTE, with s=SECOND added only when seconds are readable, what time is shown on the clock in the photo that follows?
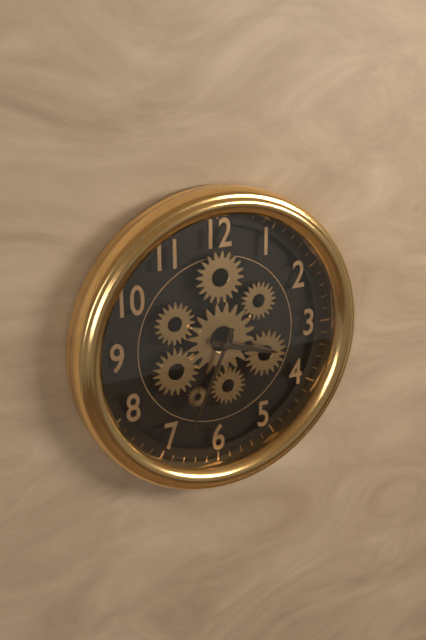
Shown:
h=3 m=34
